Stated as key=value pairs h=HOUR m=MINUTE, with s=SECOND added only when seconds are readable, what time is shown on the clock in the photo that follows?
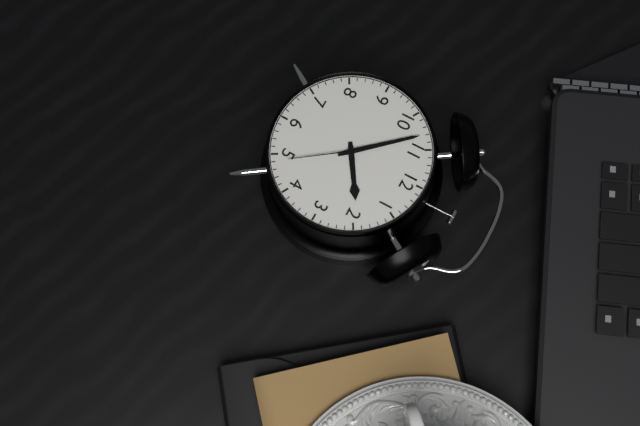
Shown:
h=1 m=53 s=24
